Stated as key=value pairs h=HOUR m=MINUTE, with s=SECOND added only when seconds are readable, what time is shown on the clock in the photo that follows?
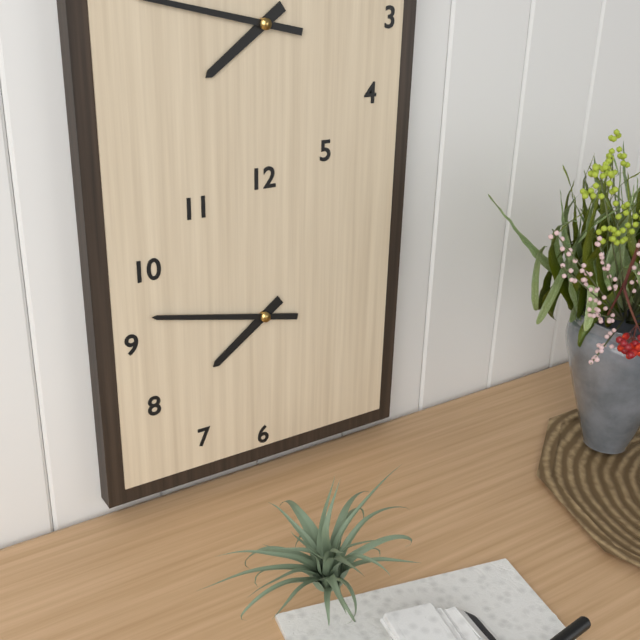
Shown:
h=7 m=47
